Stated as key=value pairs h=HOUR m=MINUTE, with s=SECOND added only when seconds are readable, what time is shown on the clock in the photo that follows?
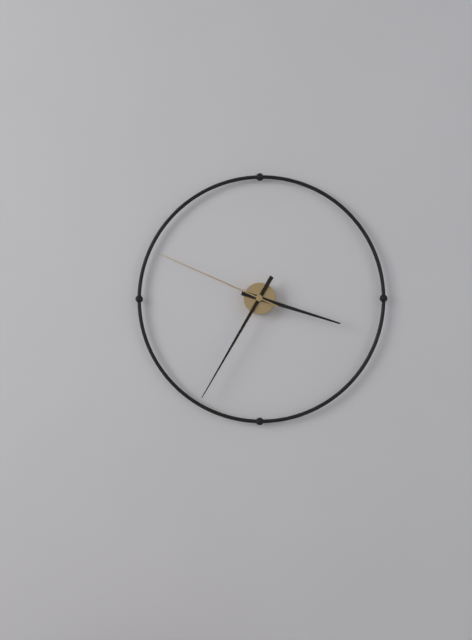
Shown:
h=3 m=35 s=49
